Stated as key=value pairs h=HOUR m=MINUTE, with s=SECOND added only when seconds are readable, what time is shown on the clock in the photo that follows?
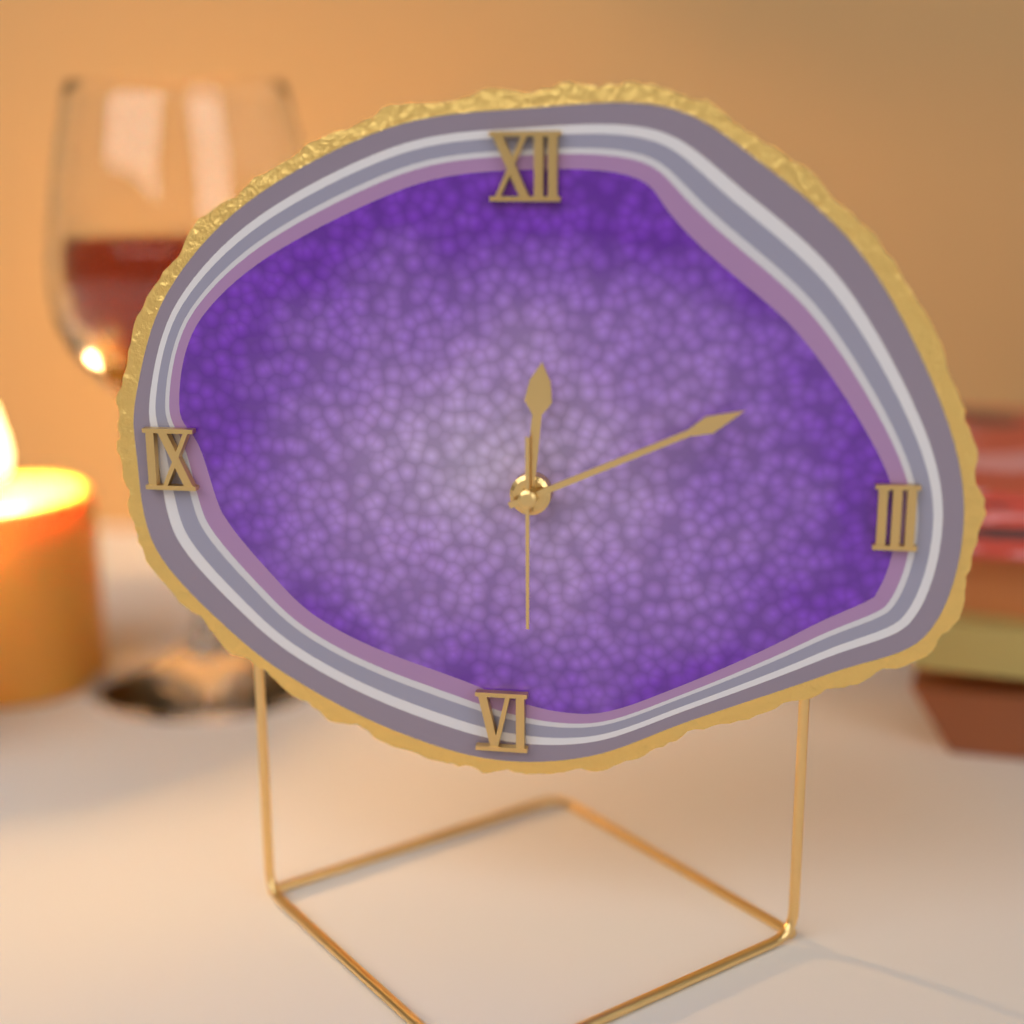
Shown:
h=12 m=11 s=30
